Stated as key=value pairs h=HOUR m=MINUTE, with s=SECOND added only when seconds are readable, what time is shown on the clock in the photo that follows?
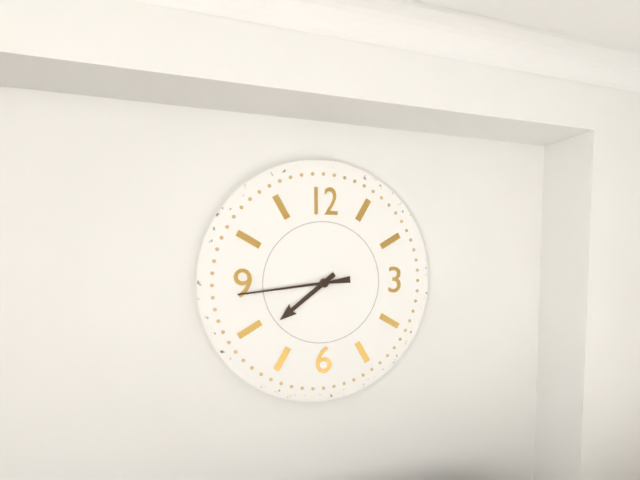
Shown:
h=7 m=44
